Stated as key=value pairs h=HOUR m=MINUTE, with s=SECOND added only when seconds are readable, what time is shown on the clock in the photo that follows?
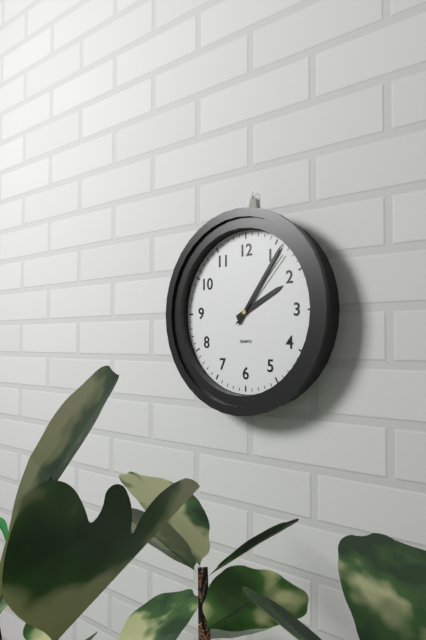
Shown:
h=2 m=6 s=7
